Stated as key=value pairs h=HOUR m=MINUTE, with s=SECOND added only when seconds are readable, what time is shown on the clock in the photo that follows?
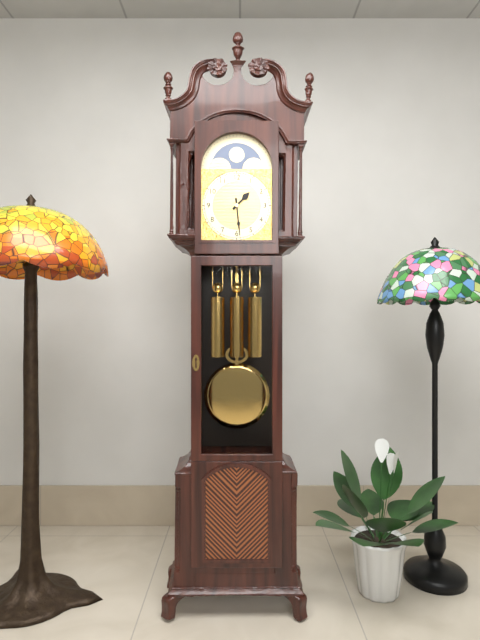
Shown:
h=1 m=29
